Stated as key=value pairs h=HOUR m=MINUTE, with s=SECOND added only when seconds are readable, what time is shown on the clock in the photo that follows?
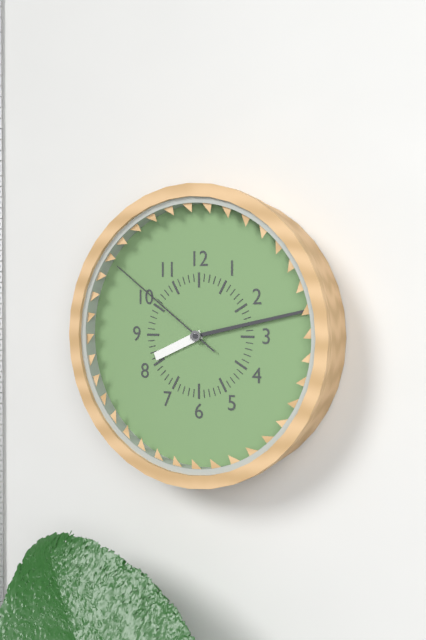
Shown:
h=8 m=13 s=51
